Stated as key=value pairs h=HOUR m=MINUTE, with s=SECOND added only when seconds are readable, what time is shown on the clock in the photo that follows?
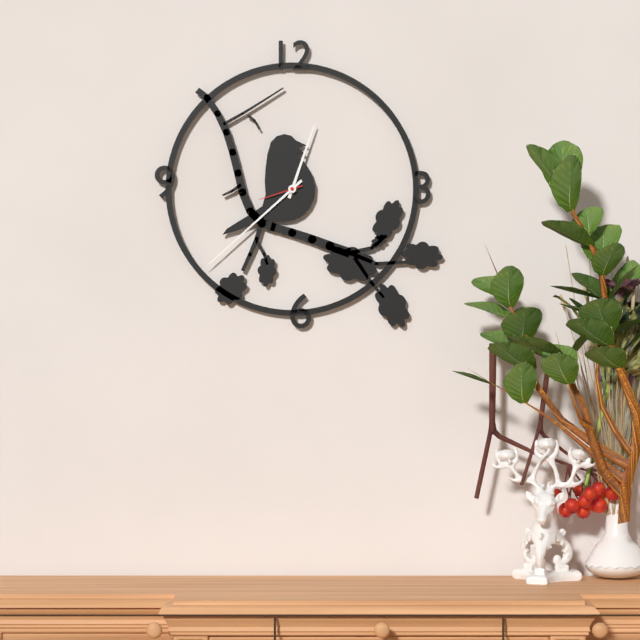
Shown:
h=12 m=38
